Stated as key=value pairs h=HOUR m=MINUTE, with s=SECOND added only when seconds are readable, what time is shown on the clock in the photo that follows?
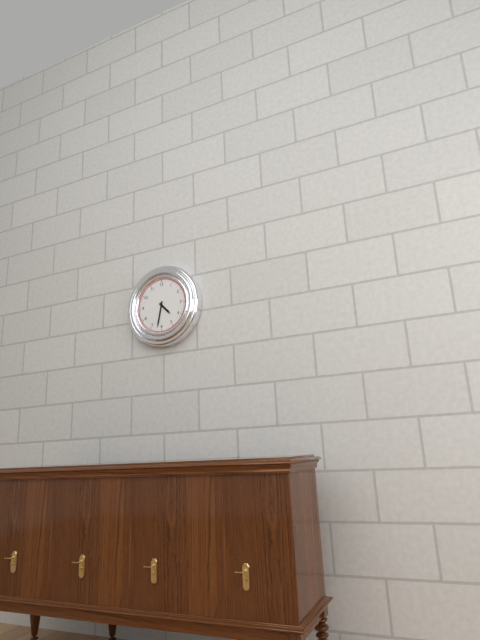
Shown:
h=4 m=32
